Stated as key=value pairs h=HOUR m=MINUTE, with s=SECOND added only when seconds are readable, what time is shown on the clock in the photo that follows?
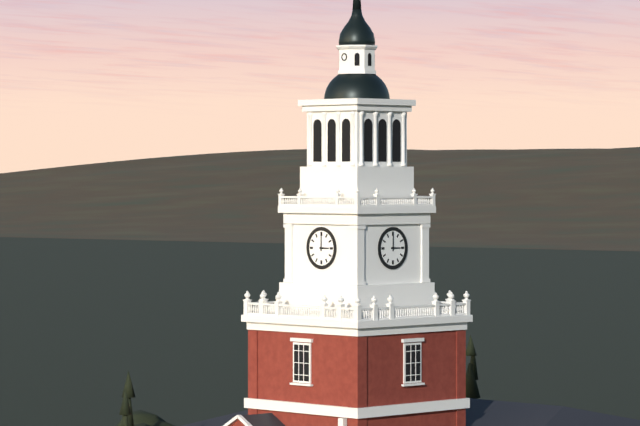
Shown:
h=3 m=0
